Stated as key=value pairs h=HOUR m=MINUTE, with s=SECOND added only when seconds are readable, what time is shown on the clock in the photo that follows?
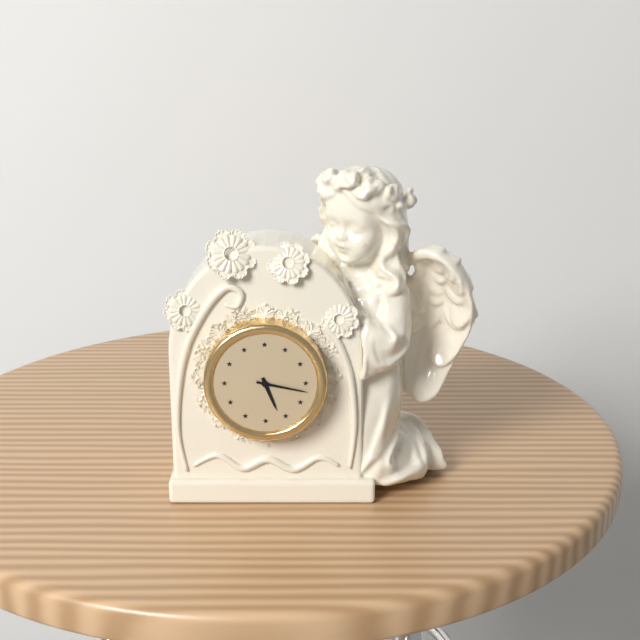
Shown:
h=5 m=17
